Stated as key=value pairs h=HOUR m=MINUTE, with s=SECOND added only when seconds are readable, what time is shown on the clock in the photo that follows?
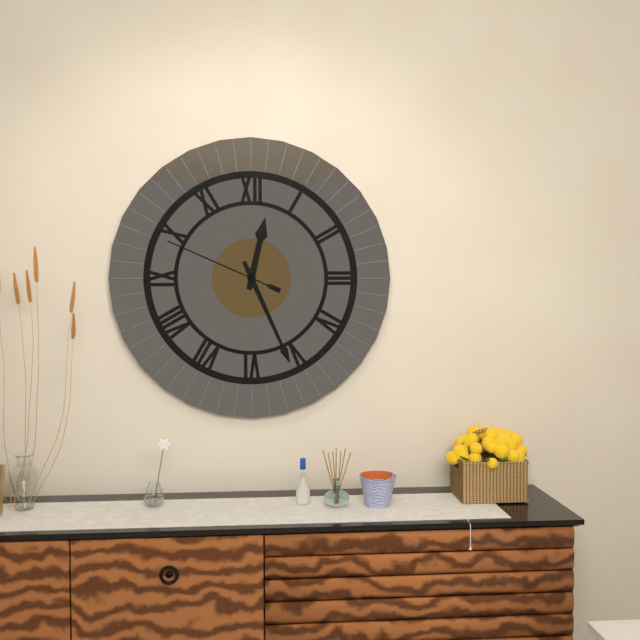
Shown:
h=12 m=26 s=49
